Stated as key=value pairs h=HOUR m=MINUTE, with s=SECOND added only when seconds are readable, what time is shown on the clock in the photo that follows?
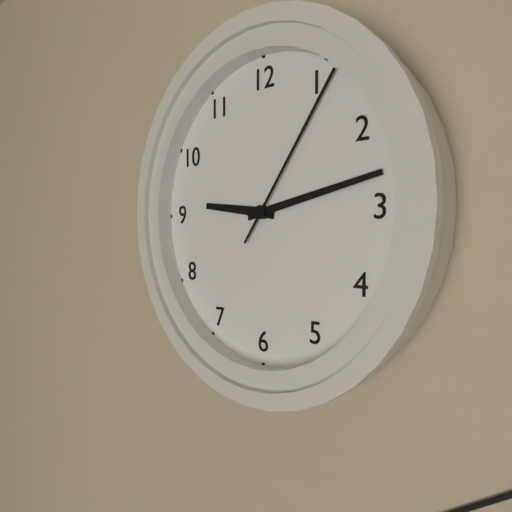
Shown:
h=9 m=13 s=6
